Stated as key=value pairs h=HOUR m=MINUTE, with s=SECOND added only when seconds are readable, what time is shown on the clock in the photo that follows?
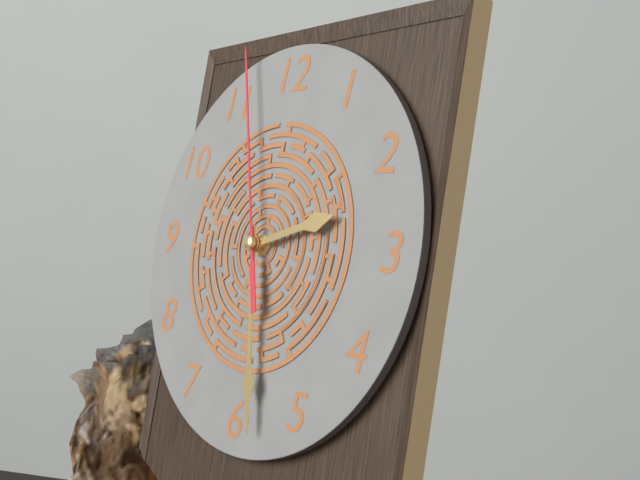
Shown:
h=2 m=28 s=57
